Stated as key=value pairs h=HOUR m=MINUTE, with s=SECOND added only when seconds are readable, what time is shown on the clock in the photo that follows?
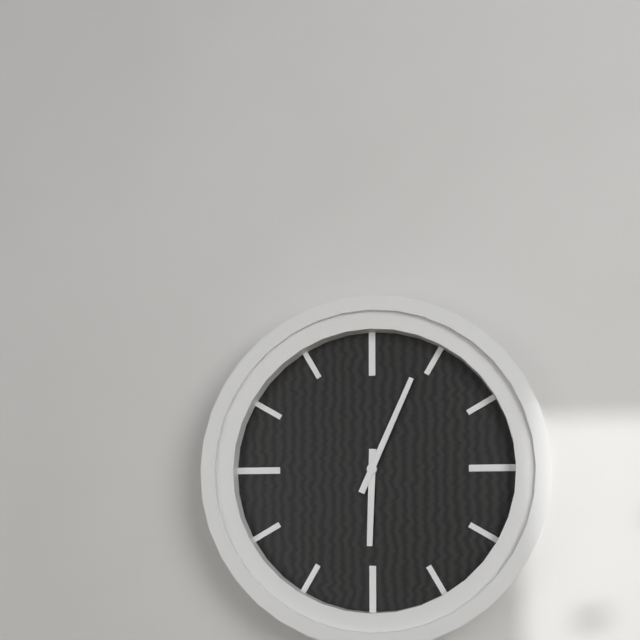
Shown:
h=6 m=4
